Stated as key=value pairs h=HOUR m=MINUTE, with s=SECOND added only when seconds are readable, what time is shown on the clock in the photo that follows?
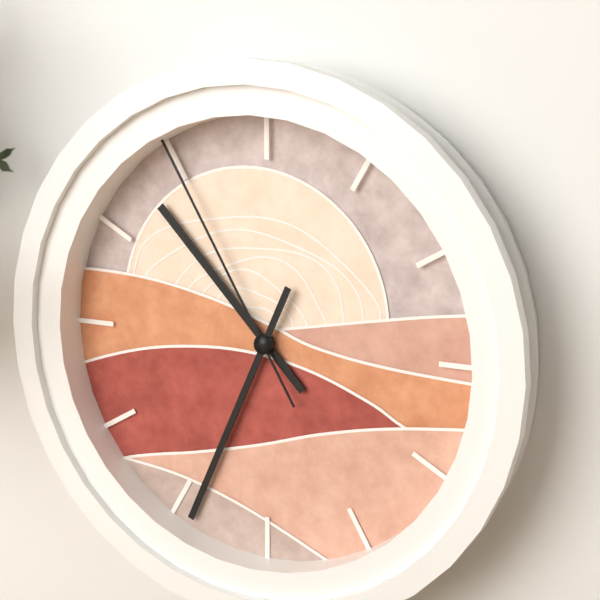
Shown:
h=10 m=34 s=55
